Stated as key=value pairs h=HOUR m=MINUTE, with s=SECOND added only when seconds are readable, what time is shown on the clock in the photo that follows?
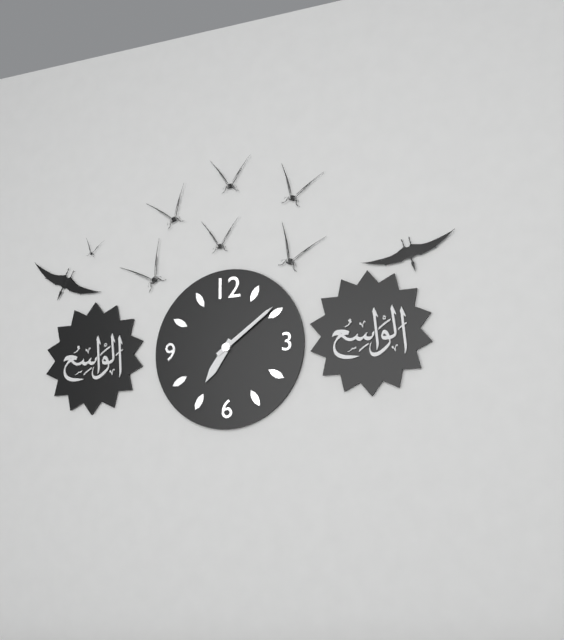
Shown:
h=7 m=9
